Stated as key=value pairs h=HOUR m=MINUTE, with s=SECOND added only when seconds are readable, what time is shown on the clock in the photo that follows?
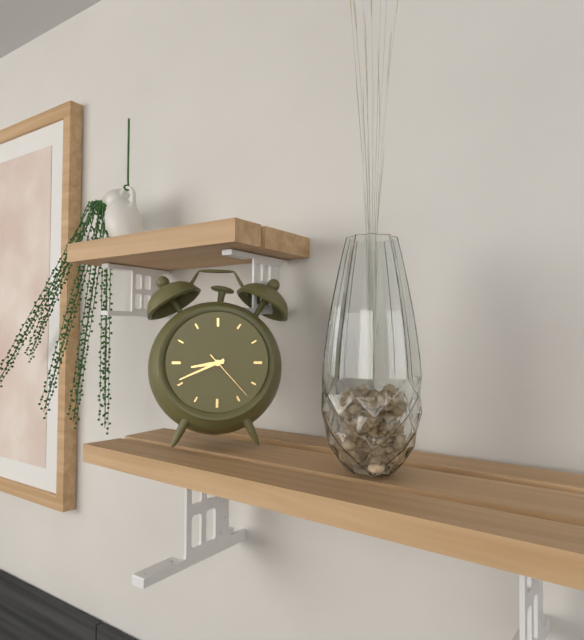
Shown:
h=8 m=41 s=23
